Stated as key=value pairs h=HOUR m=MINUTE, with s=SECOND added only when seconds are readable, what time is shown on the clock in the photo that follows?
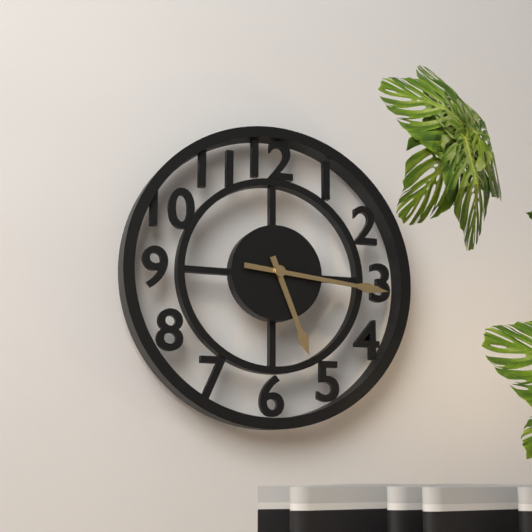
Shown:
h=5 m=16
